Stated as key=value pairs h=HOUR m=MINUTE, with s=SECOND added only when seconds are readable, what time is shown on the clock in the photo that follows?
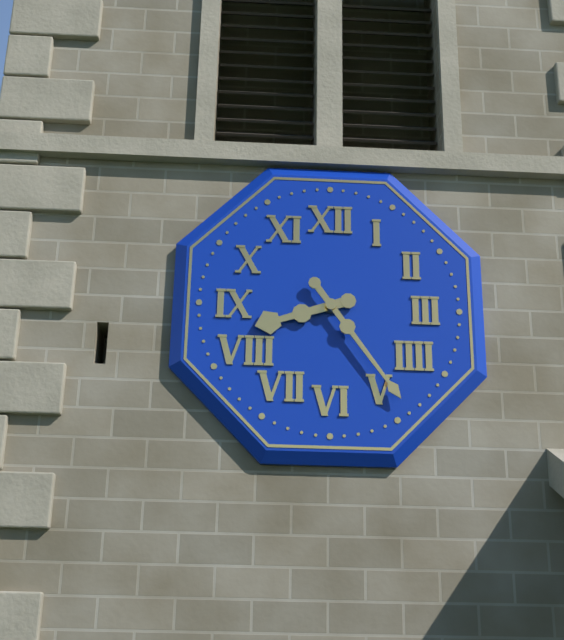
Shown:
h=8 m=24
